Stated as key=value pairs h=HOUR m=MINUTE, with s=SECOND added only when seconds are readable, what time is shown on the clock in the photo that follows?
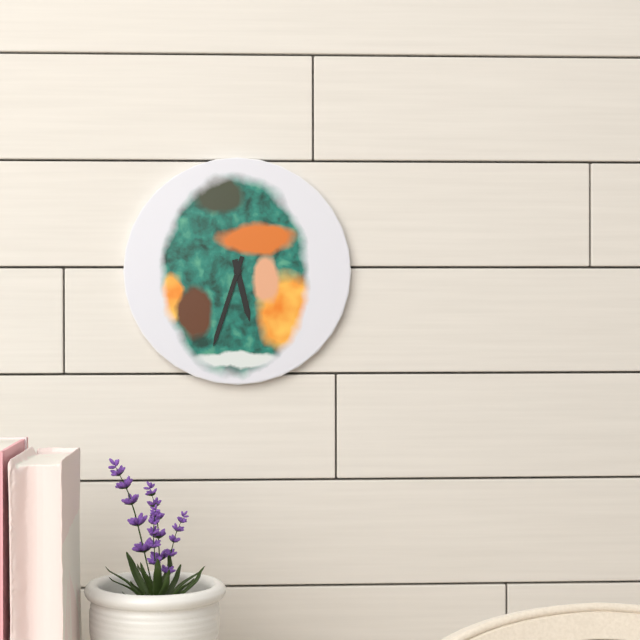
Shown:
h=5 m=33
